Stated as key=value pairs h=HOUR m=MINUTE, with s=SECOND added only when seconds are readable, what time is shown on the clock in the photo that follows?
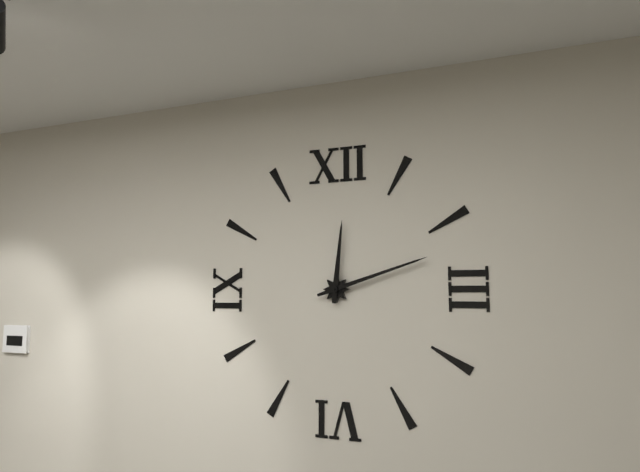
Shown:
h=12 m=12
